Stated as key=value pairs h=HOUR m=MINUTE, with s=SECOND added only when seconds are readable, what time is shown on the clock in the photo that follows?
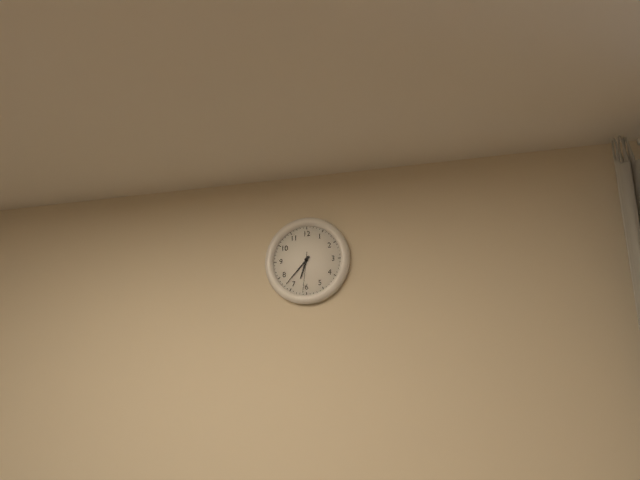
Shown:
h=6 m=37
